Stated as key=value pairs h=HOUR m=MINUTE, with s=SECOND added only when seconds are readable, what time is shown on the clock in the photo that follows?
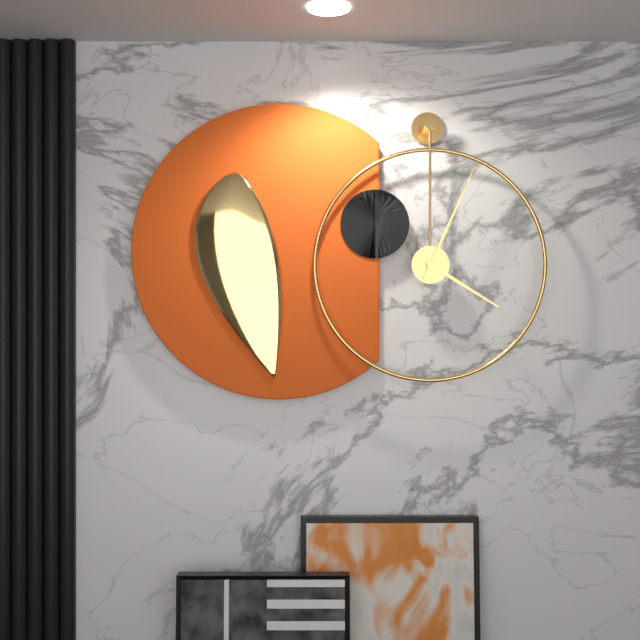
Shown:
h=4 m=4
